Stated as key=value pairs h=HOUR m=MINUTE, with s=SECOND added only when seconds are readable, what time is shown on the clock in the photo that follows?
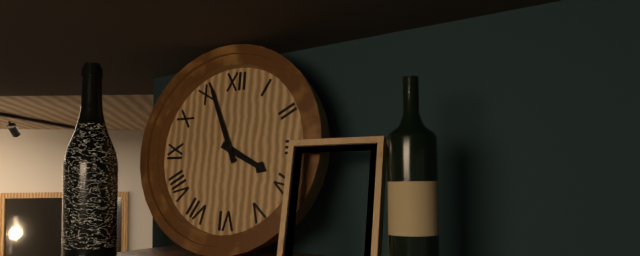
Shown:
h=3 m=56
